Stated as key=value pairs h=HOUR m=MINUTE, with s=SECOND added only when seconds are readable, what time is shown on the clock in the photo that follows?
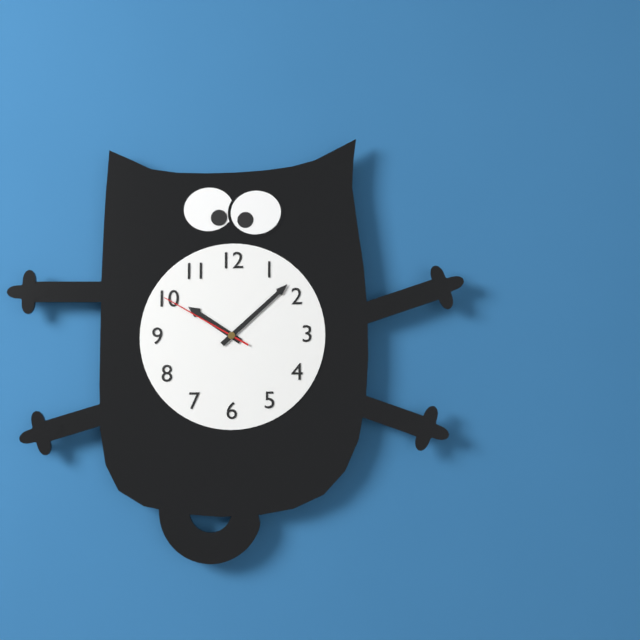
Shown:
h=10 m=8 s=50
